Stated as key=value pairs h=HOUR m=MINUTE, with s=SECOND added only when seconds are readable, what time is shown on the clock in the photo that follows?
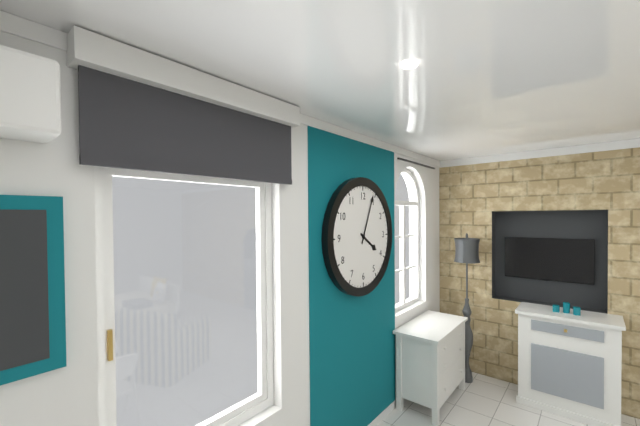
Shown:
h=4 m=4
